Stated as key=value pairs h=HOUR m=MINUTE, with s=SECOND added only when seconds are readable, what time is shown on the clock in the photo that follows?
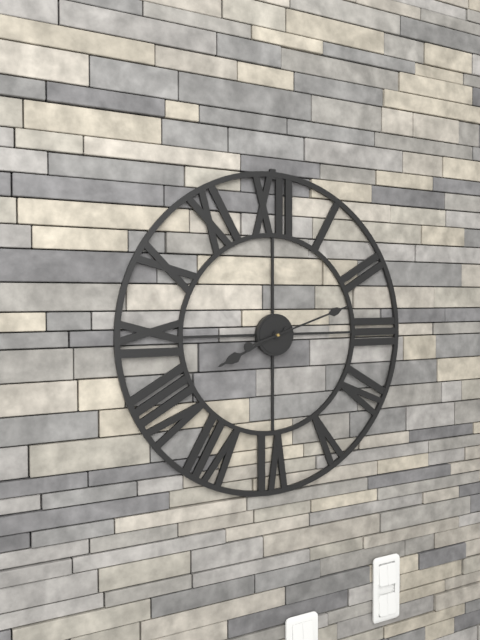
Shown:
h=8 m=12
